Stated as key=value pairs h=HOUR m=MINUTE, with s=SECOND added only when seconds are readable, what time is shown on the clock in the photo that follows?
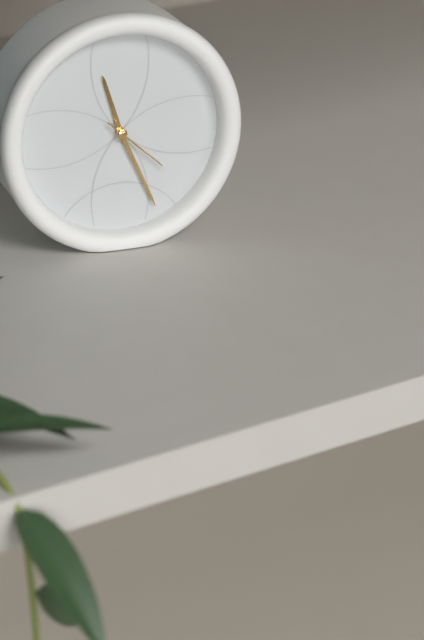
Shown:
h=11 m=26 s=22
